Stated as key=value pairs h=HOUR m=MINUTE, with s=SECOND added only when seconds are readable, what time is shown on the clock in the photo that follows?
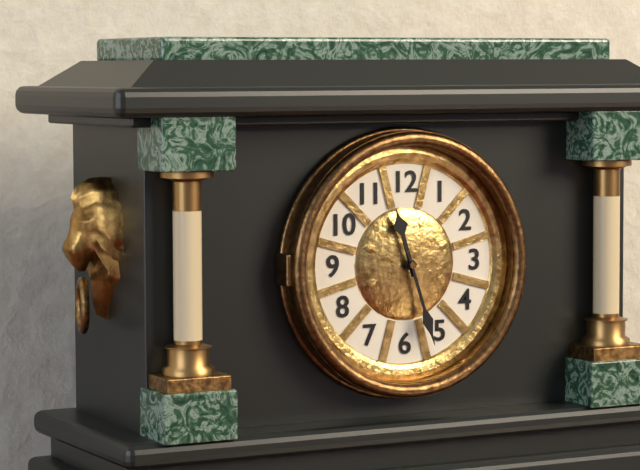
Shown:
h=11 m=27
